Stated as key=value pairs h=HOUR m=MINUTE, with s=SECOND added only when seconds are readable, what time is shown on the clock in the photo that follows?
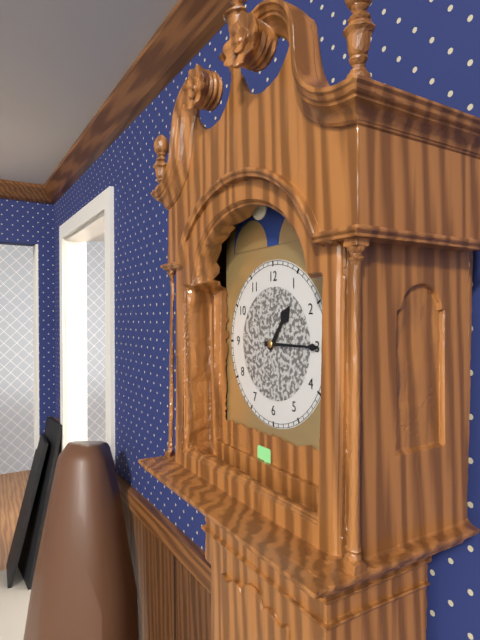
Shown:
h=1 m=15
